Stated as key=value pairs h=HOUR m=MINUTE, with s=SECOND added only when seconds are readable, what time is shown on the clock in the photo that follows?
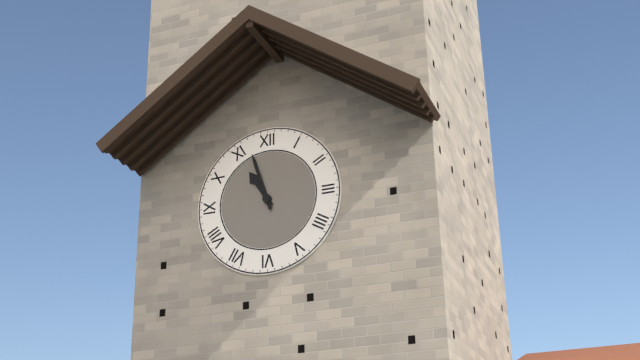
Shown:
h=10 m=57
